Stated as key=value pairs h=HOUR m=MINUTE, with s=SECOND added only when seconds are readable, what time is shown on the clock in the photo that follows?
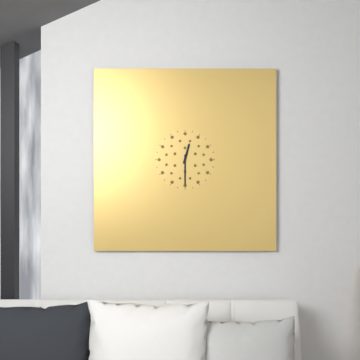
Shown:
h=12 m=30
